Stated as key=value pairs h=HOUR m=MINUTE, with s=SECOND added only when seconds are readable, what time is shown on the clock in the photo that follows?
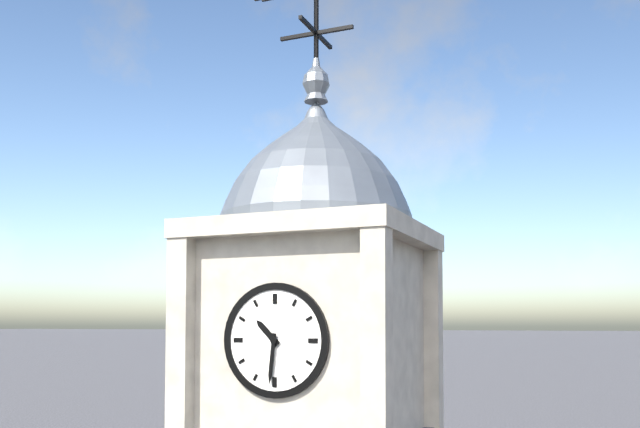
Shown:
h=10 m=31
